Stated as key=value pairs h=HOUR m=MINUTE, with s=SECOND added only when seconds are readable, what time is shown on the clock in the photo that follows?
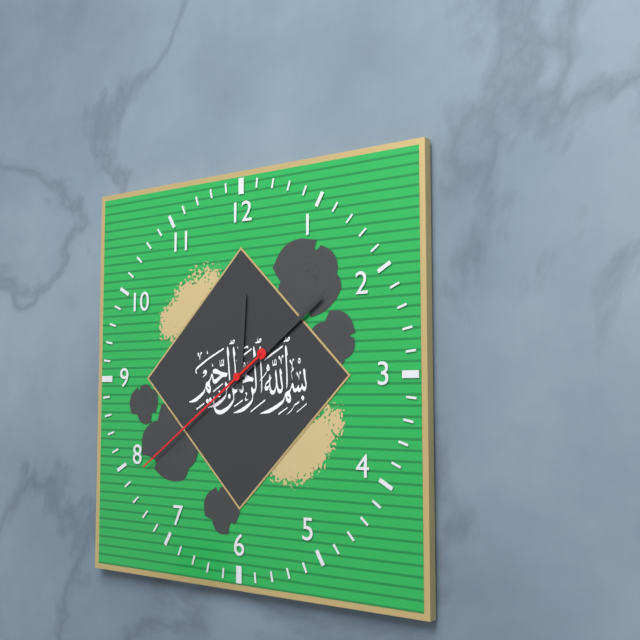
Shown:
h=12 m=9 s=39
